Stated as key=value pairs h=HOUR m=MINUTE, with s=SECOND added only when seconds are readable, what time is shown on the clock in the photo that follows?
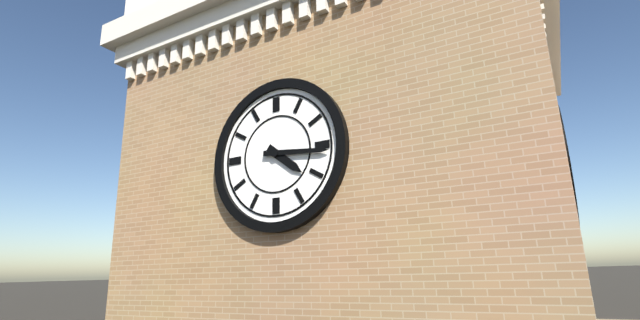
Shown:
h=4 m=16
